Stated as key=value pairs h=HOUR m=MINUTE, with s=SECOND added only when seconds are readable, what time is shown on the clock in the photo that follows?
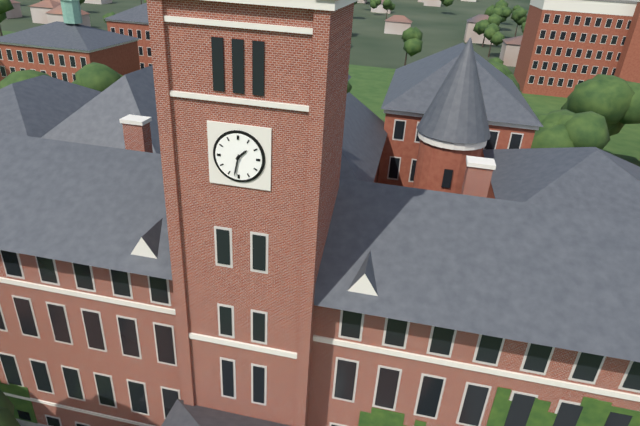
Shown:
h=1 m=32
